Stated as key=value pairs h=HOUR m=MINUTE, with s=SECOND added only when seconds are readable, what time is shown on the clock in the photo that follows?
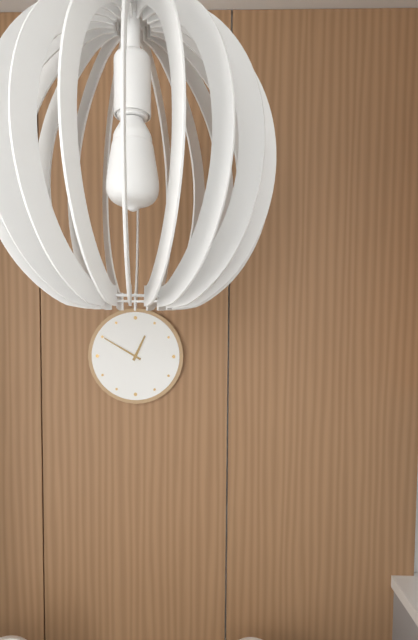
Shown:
h=12 m=50
